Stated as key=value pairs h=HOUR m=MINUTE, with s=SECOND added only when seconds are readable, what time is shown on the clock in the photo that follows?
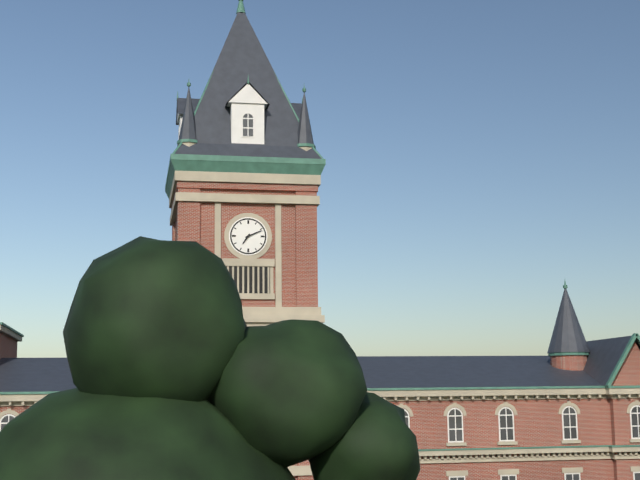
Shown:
h=7 m=11
